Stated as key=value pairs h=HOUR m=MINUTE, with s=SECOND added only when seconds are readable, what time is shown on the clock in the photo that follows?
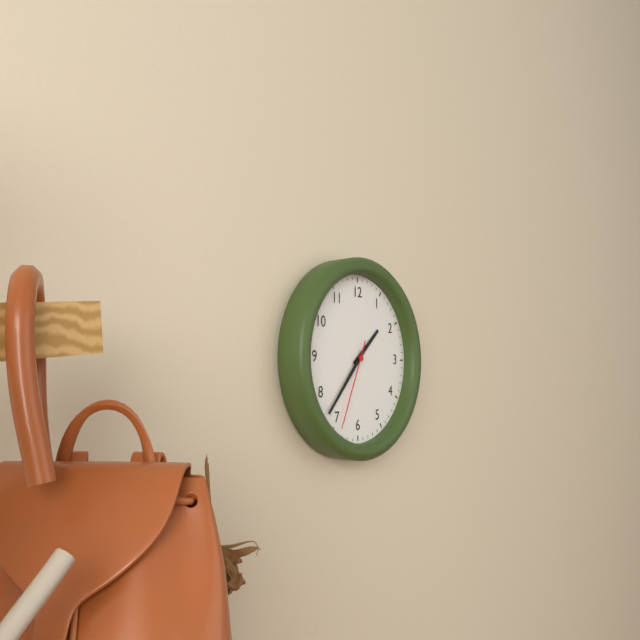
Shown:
h=1 m=37 s=34
